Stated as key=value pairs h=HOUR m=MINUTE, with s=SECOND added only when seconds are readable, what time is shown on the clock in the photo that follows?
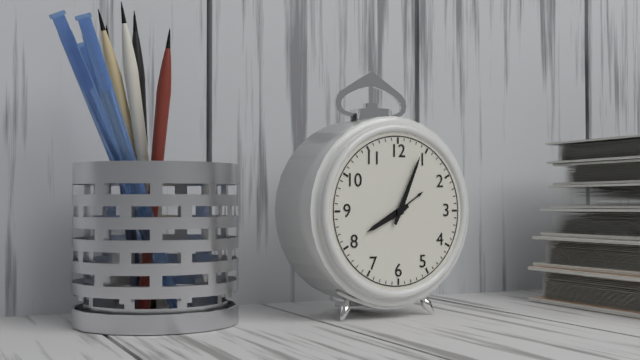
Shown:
h=8 m=4
